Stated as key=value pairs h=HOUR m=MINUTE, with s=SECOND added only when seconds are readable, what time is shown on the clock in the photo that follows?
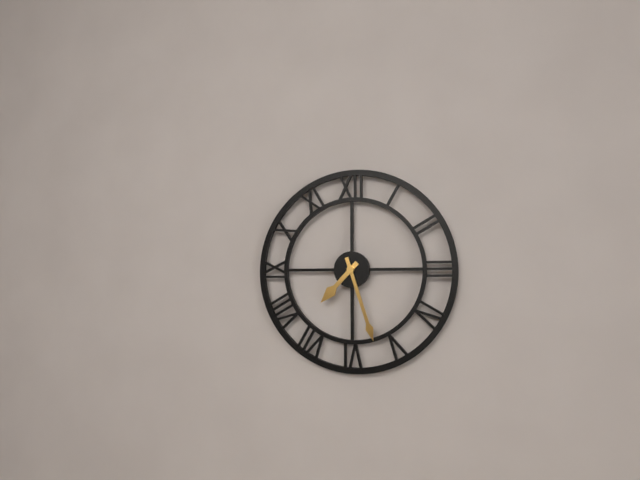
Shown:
h=7 m=27
